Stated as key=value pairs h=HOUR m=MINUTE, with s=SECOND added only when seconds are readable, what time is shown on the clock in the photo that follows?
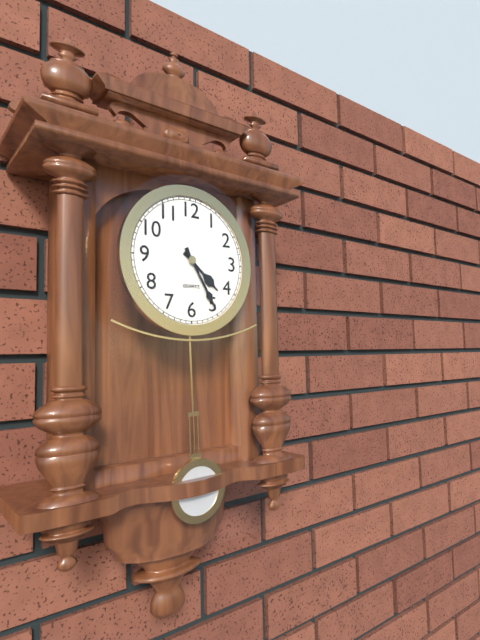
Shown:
h=4 m=25
